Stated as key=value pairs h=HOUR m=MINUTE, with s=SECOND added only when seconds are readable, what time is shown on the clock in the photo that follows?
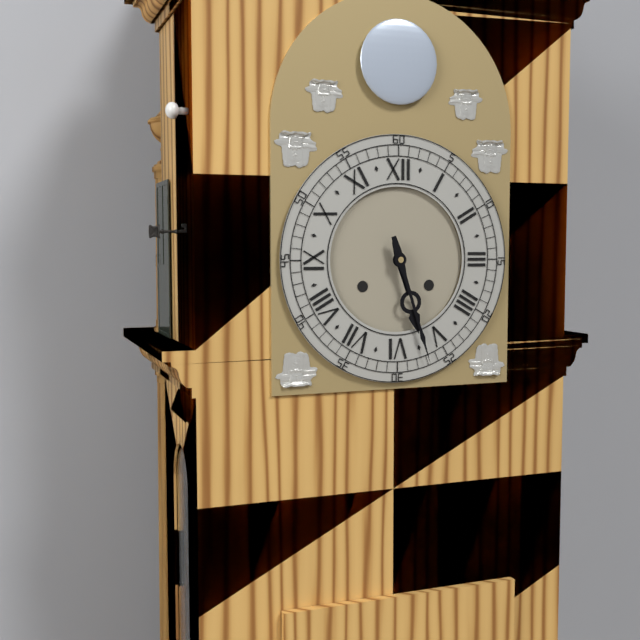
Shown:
h=5 m=27
